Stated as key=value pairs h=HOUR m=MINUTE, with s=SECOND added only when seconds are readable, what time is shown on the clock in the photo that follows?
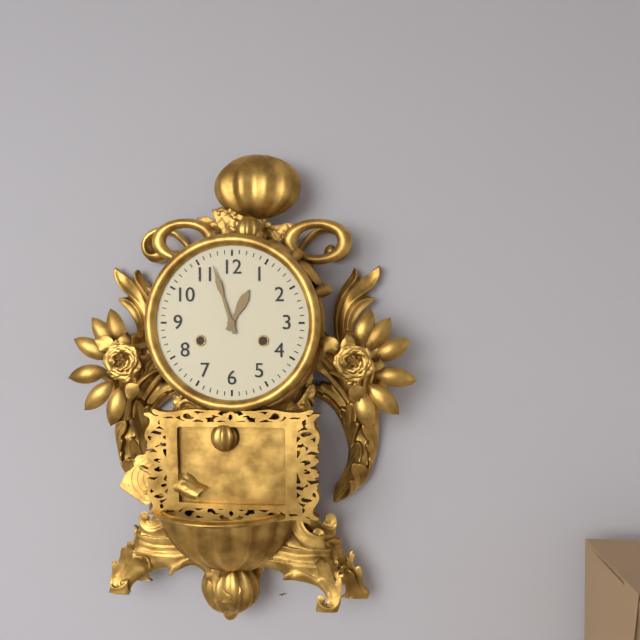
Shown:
h=12 m=57
